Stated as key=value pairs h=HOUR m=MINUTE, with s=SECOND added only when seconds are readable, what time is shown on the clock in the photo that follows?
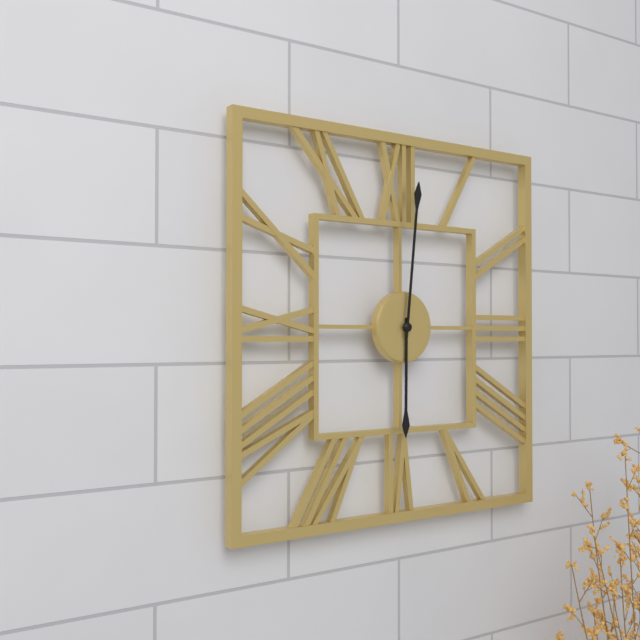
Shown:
h=6 m=1
